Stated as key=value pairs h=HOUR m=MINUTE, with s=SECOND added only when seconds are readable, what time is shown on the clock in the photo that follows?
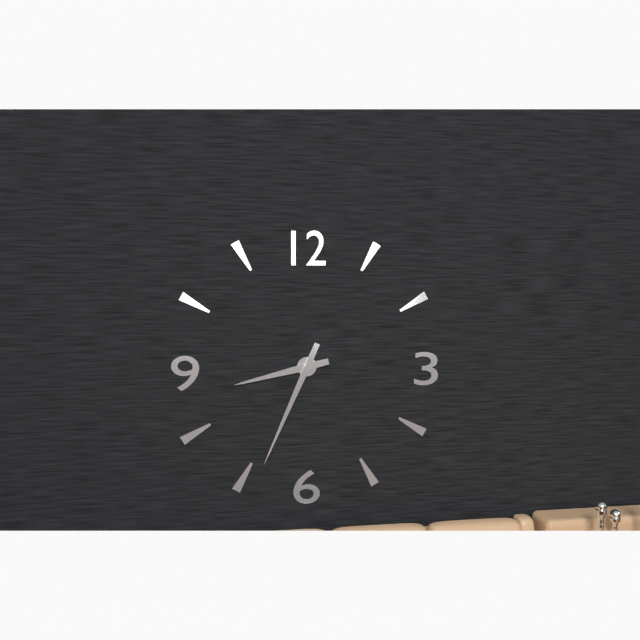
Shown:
h=8 m=34
